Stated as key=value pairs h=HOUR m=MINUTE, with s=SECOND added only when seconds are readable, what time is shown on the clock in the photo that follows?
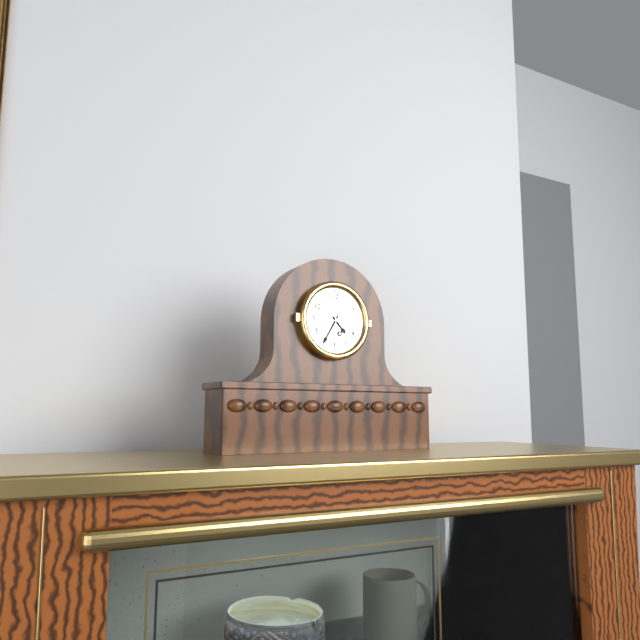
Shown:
h=4 m=35
